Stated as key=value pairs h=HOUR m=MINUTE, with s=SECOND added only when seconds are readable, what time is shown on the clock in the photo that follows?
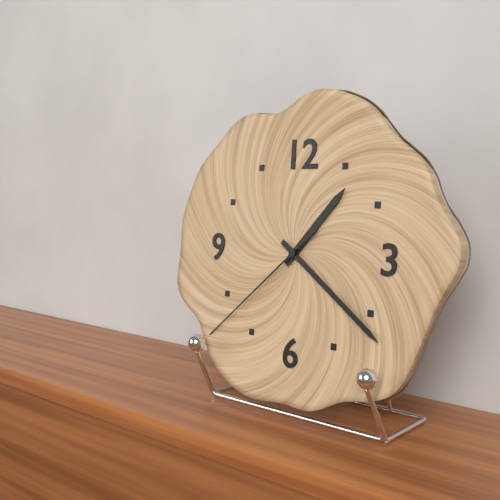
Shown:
h=1 m=21 s=38
